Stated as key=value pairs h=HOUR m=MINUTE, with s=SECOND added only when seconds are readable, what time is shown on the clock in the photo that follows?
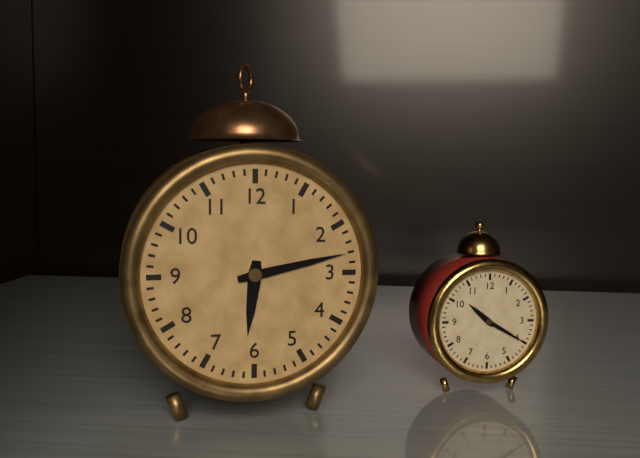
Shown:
h=6 m=13
